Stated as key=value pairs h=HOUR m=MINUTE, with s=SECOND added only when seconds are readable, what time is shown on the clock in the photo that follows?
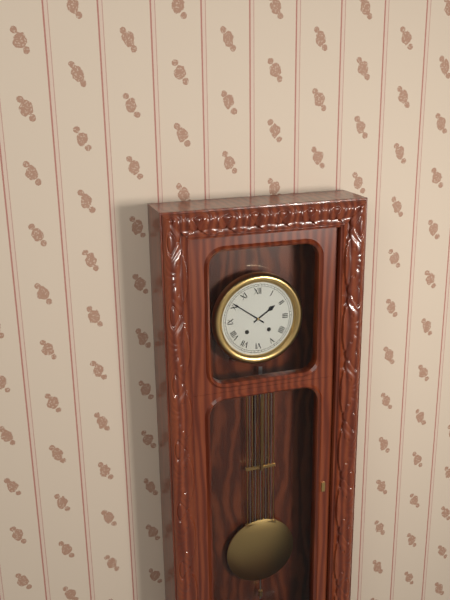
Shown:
h=1 m=51
